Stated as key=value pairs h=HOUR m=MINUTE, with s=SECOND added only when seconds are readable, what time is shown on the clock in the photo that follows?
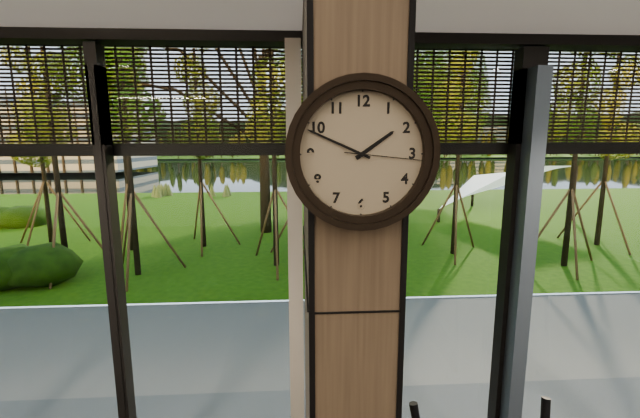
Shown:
h=1 m=49 s=16
